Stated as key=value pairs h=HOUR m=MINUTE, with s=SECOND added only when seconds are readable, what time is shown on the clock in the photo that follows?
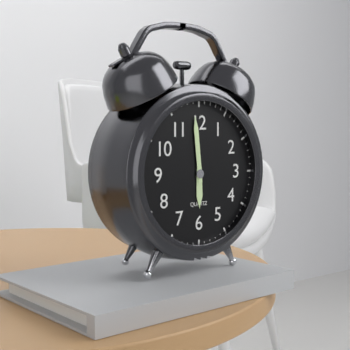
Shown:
h=5 m=59
